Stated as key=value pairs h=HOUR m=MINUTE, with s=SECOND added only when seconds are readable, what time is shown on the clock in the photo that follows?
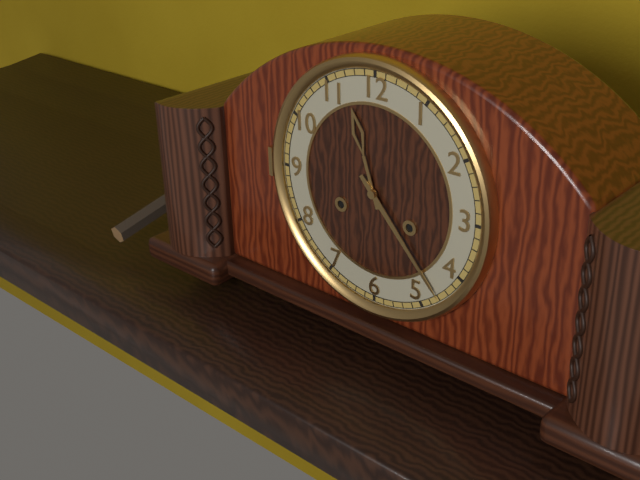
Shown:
h=11 m=23
